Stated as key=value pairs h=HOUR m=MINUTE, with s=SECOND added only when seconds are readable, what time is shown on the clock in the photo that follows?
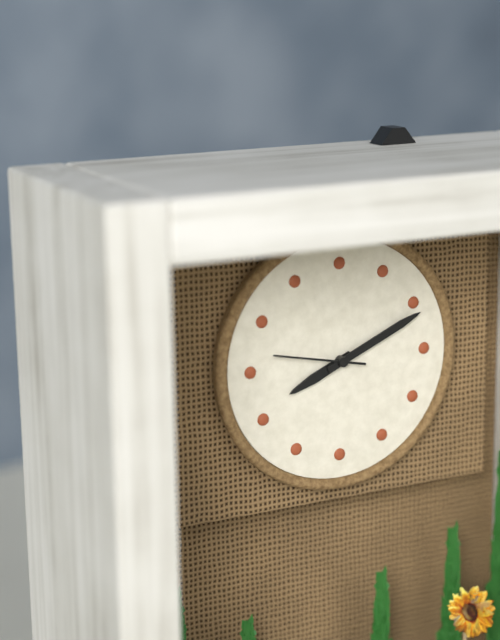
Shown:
h=8 m=11 s=47
